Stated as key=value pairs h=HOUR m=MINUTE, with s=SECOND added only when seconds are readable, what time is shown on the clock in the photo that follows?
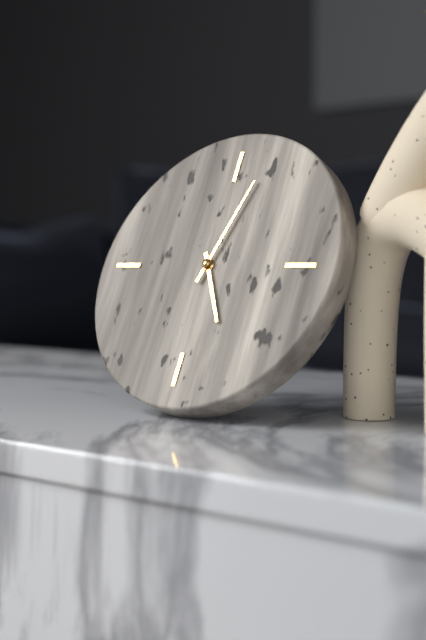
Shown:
h=5 m=3
